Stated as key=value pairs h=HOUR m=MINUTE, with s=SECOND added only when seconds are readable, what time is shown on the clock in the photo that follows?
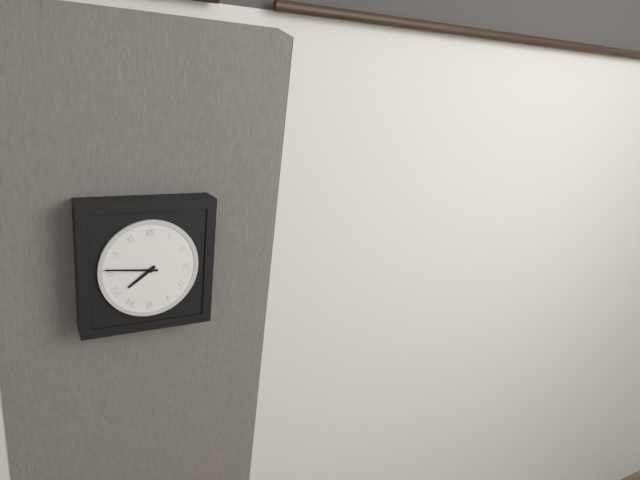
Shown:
h=7 m=46
